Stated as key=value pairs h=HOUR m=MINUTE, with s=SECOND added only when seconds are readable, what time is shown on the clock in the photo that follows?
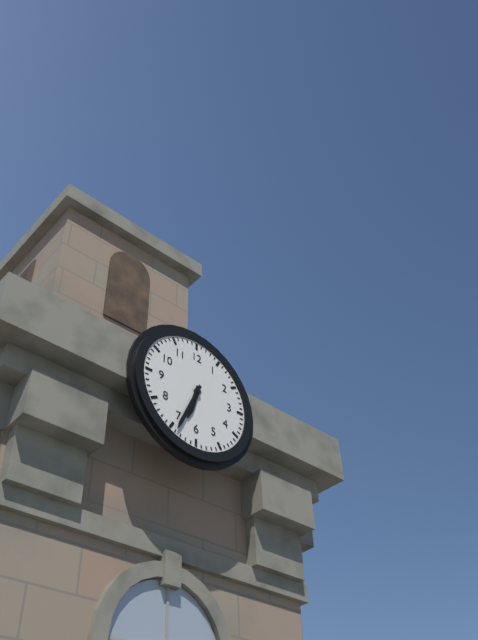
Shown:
h=6 m=34
